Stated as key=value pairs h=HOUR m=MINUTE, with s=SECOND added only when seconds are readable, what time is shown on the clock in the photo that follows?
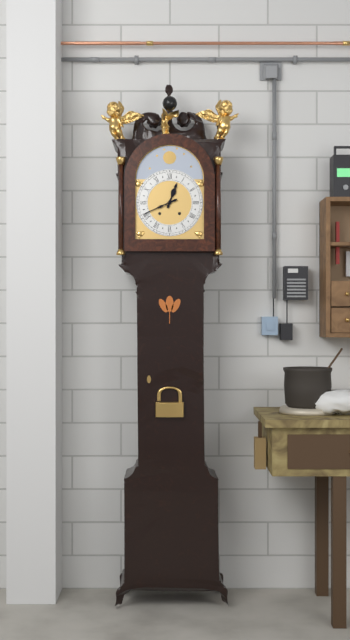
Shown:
h=12 m=41
